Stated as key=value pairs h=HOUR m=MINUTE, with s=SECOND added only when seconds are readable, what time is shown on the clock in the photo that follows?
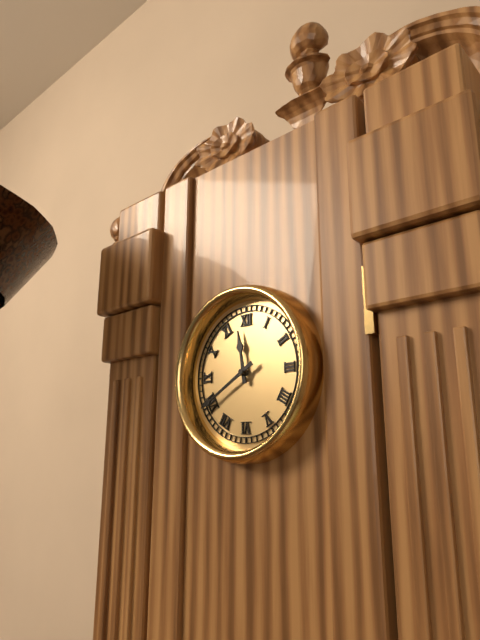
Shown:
h=11 m=40
